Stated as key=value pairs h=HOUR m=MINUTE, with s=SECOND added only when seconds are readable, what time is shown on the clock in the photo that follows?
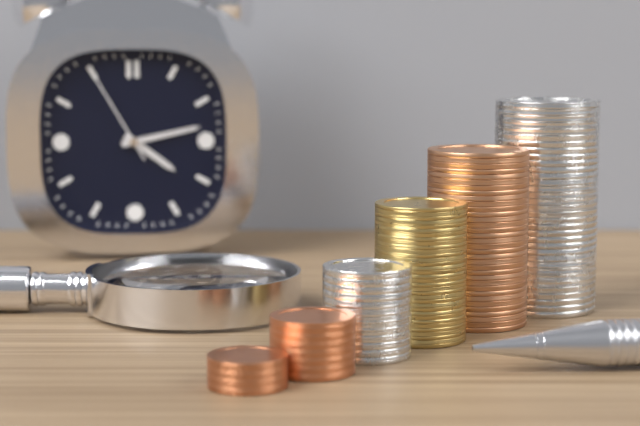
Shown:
h=4 m=13 s=55
